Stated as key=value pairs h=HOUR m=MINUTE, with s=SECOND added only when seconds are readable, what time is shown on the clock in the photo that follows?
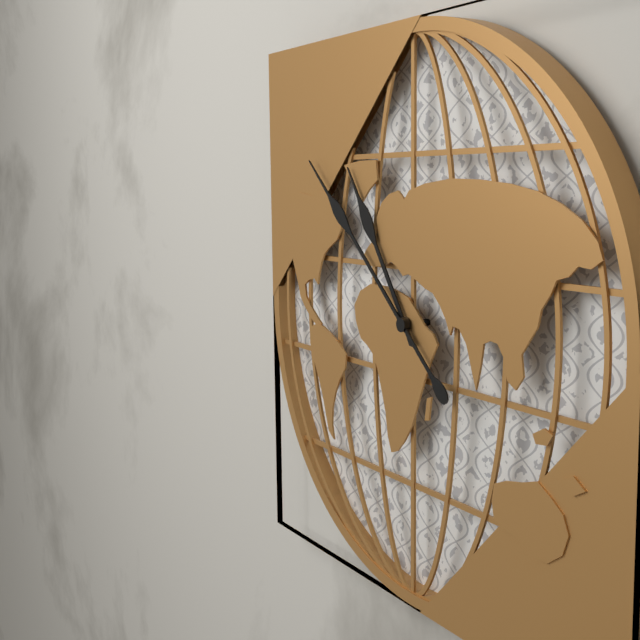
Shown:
h=10 m=52
